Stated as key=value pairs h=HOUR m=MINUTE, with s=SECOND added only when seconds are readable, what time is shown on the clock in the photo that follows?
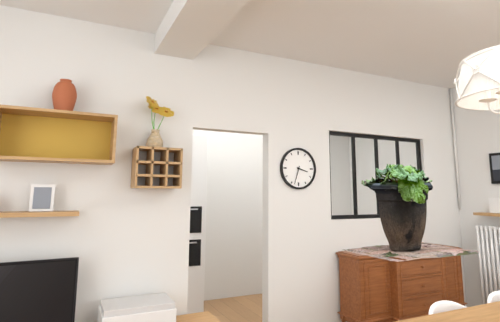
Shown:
h=3 m=33
